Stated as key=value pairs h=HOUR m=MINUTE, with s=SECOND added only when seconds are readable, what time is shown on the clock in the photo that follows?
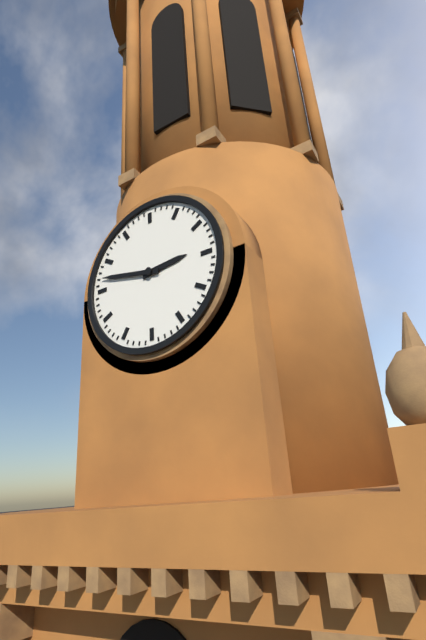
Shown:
h=2 m=47
